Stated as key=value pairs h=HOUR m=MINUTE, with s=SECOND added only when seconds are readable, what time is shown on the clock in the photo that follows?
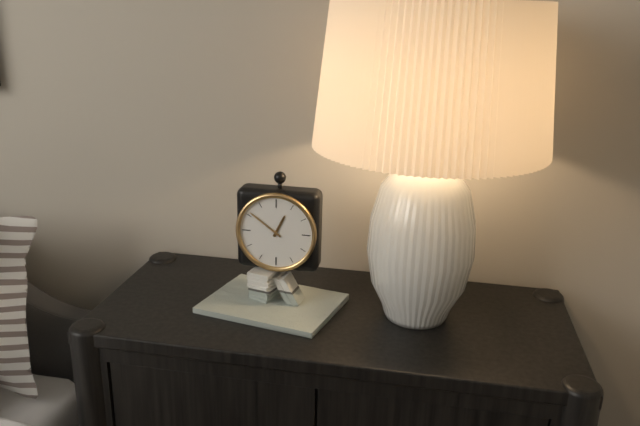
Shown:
h=12 m=51
